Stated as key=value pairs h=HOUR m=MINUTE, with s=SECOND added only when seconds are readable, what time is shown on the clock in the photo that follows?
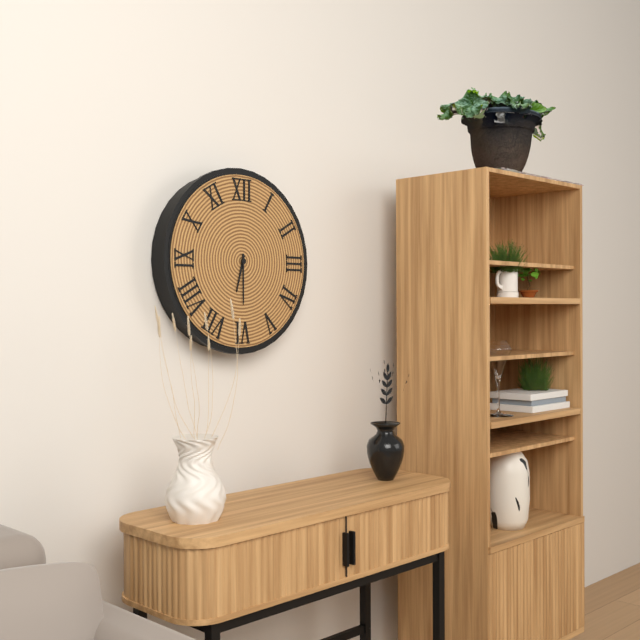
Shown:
h=6 m=30
